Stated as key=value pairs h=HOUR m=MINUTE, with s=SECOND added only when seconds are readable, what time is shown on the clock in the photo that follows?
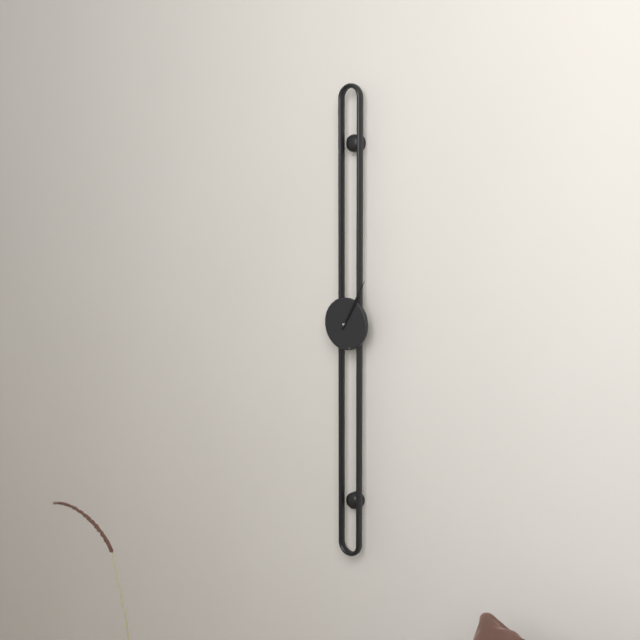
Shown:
h=1 m=5
